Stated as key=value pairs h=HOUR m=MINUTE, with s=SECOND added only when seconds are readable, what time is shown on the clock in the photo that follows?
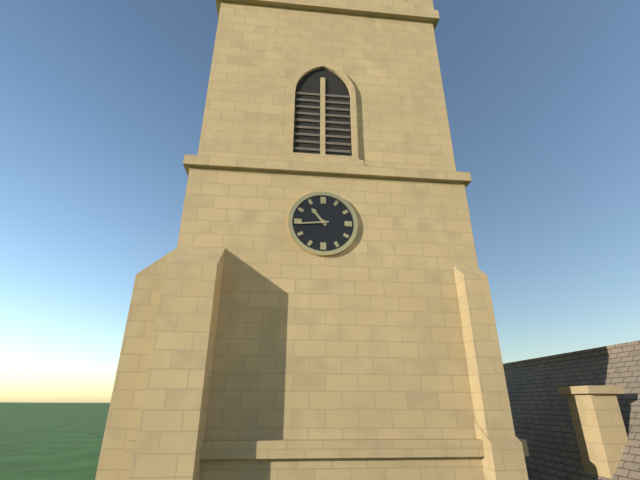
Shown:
h=10 m=44
